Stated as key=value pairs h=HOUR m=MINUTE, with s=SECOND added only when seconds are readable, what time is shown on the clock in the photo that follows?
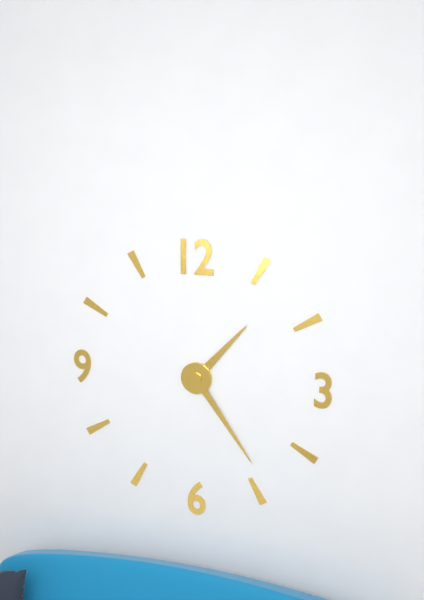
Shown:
h=1 m=24
